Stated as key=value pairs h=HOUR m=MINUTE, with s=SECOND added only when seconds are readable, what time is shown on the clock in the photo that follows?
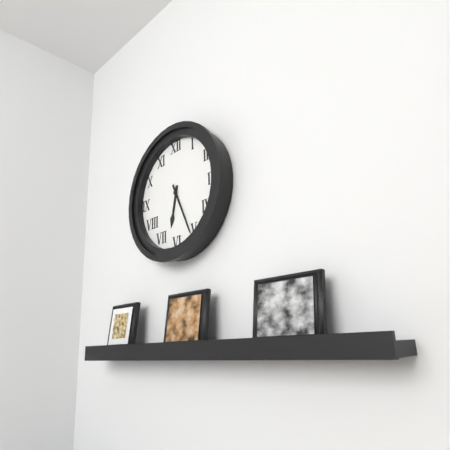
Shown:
h=6 m=26
